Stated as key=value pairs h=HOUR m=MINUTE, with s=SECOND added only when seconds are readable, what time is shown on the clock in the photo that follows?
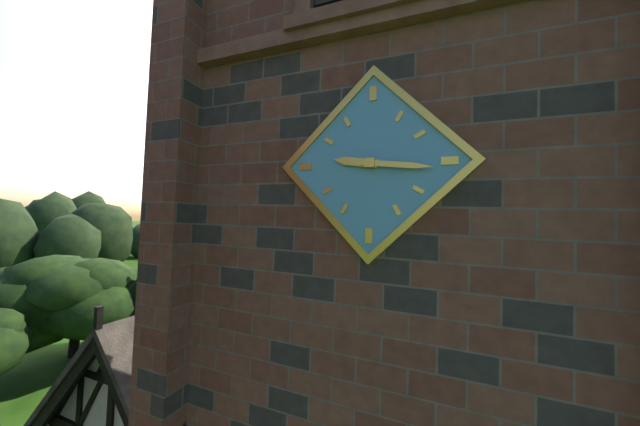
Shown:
h=9 m=16
